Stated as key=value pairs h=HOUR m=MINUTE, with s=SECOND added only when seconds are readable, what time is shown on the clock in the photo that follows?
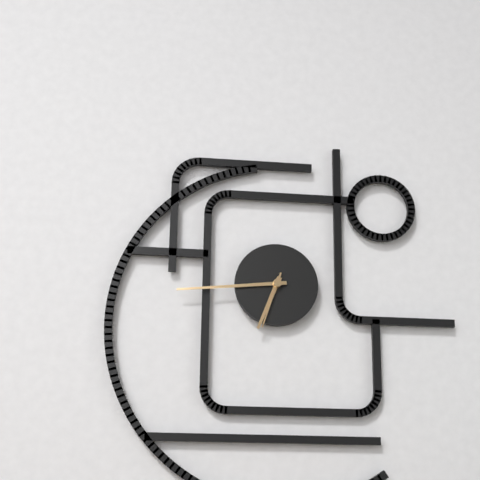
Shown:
h=6 m=44 s=33
